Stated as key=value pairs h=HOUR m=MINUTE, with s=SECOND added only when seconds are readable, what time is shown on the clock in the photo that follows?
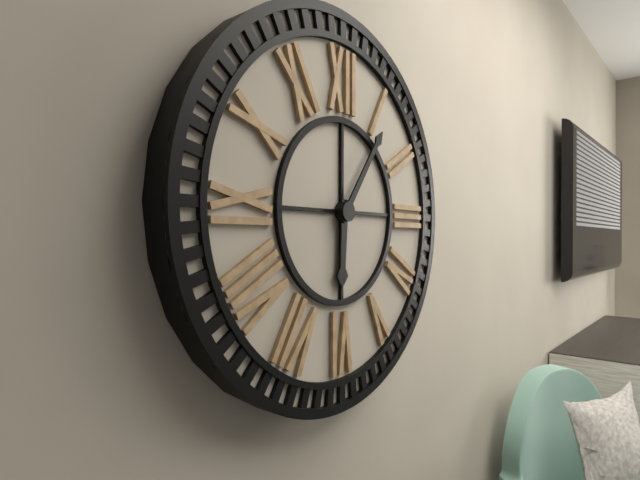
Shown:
h=6 m=6
